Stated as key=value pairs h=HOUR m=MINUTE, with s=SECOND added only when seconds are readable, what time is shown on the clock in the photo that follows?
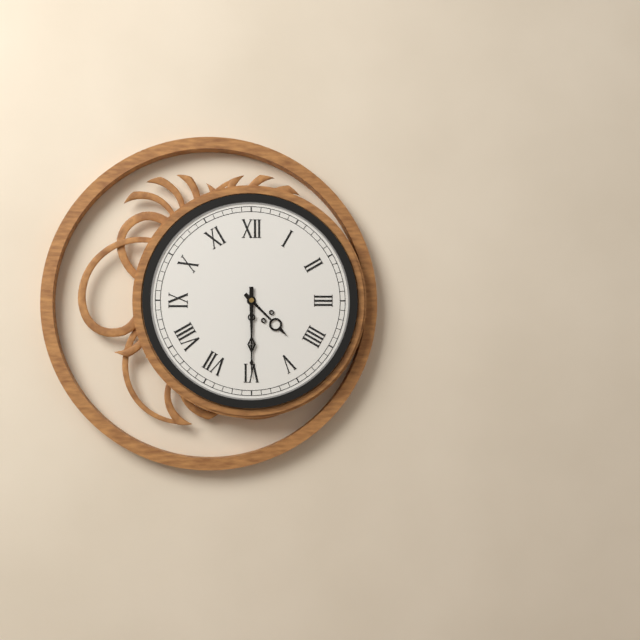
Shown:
h=4 m=30
